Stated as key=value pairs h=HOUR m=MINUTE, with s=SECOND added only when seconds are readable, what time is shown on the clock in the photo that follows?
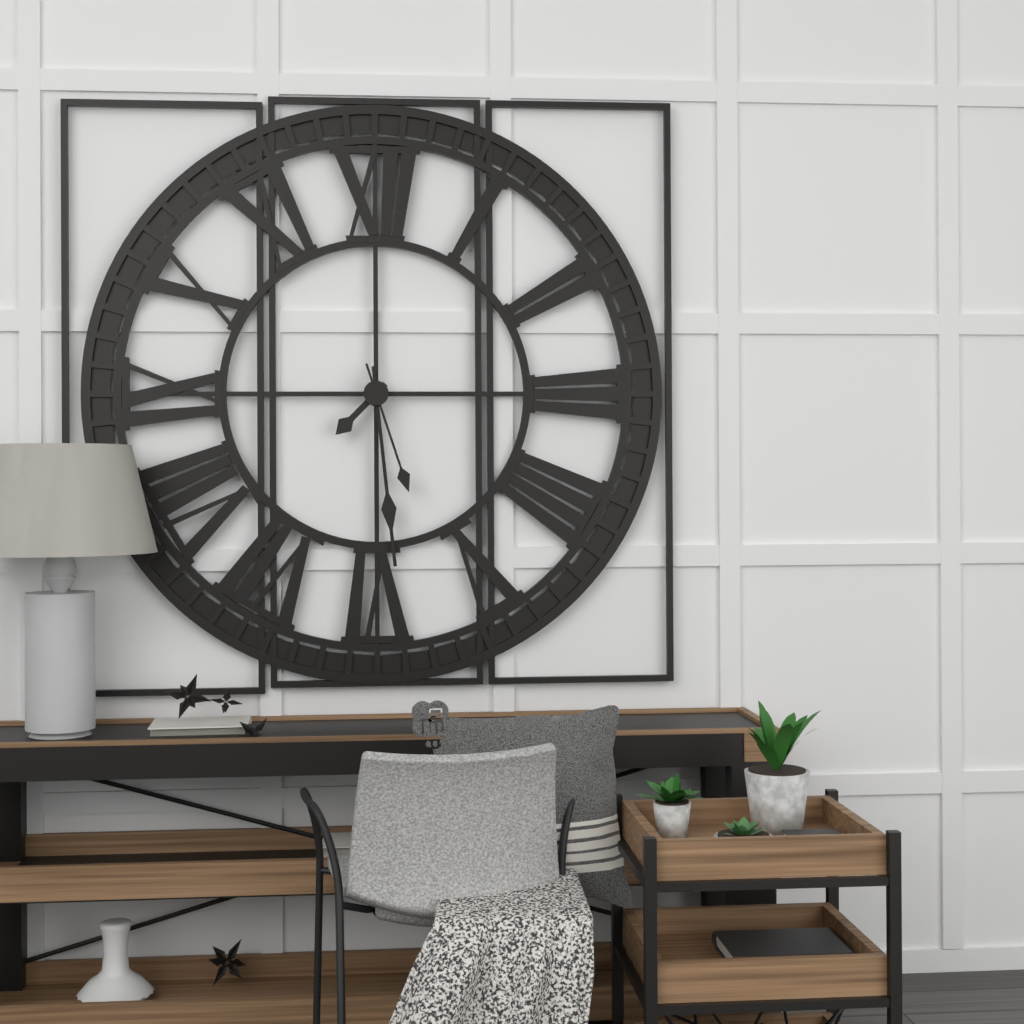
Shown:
h=7 m=29 s=27
